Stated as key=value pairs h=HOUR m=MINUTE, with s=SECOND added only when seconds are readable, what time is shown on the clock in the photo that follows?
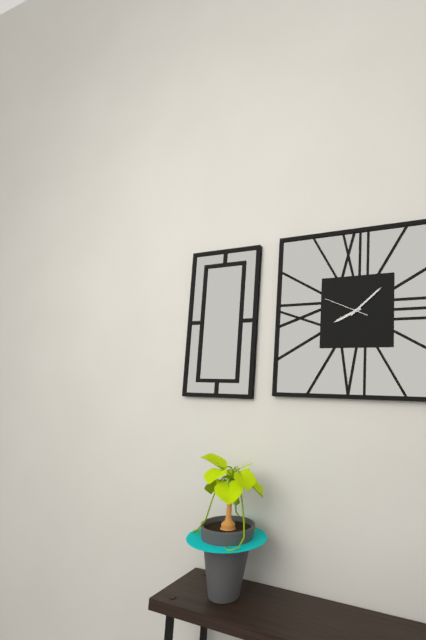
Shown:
h=8 m=8
